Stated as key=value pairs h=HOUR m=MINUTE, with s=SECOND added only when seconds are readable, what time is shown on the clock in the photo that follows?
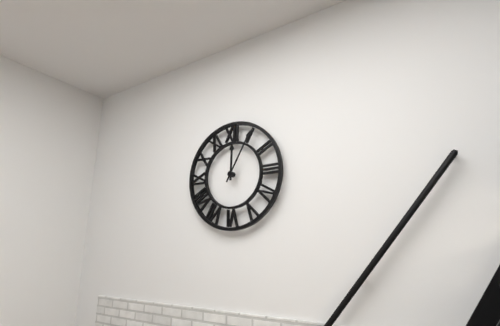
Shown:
h=12 m=5
